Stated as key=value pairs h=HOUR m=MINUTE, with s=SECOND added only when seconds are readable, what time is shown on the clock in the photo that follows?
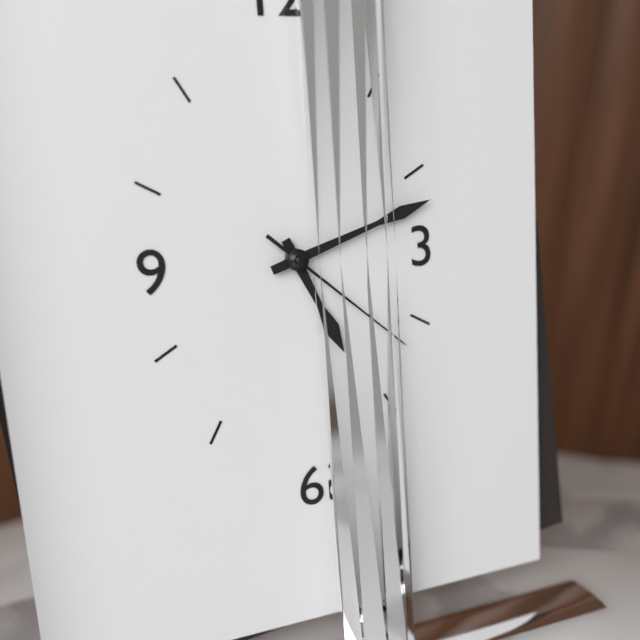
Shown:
h=5 m=12 s=22
